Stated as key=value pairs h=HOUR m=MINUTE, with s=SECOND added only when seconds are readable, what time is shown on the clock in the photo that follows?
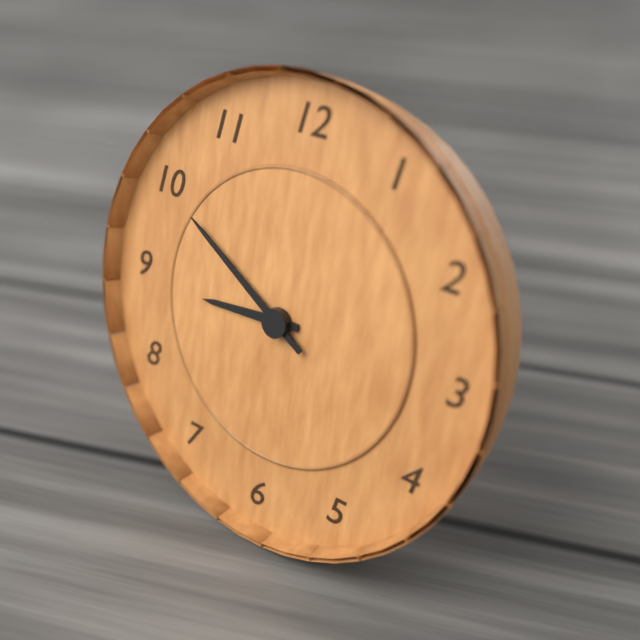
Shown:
h=8 m=50
